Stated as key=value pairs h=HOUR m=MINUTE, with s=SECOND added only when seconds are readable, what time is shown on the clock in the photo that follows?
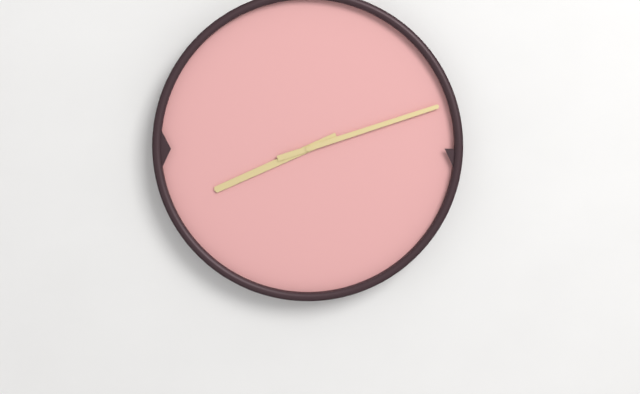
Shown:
h=8 m=12
